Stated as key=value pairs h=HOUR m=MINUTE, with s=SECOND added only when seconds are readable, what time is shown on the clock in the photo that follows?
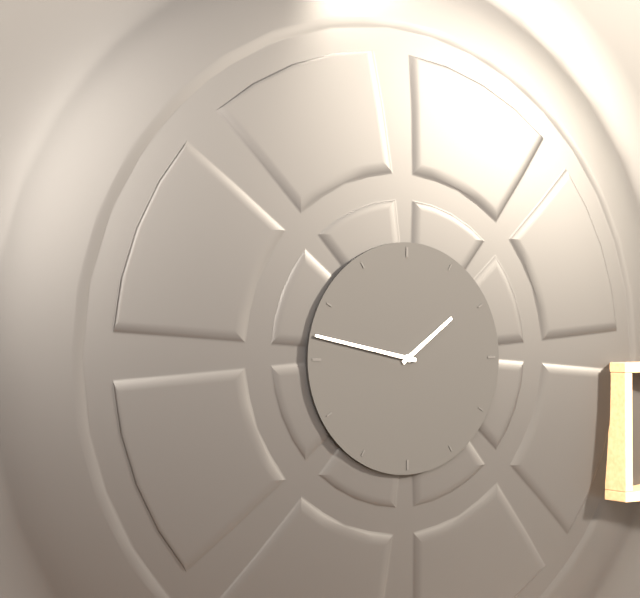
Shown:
h=1 m=47
